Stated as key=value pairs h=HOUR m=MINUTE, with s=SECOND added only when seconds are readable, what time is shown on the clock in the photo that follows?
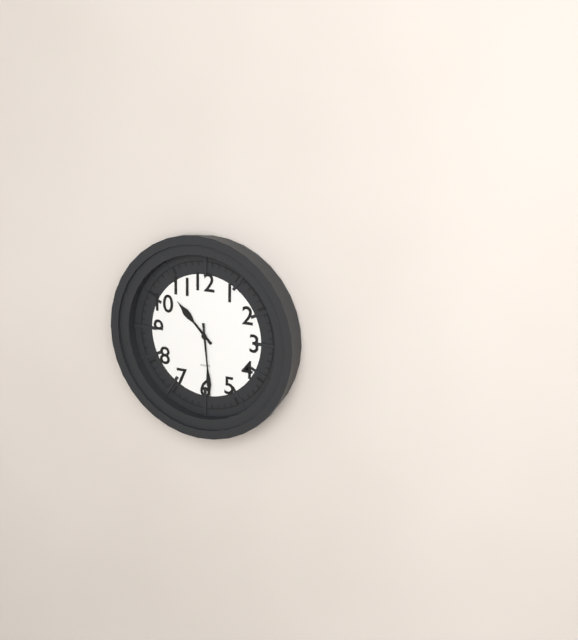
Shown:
h=10 m=29
